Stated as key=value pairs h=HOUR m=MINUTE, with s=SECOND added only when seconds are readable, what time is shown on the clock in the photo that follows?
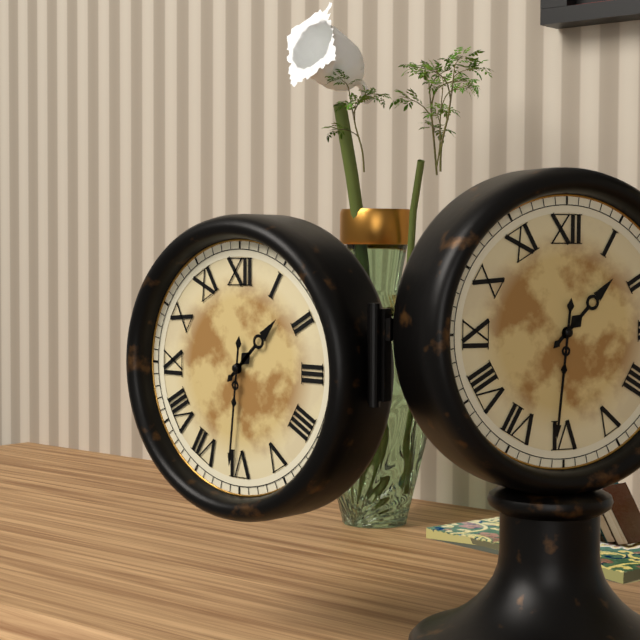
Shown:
h=1 m=31
